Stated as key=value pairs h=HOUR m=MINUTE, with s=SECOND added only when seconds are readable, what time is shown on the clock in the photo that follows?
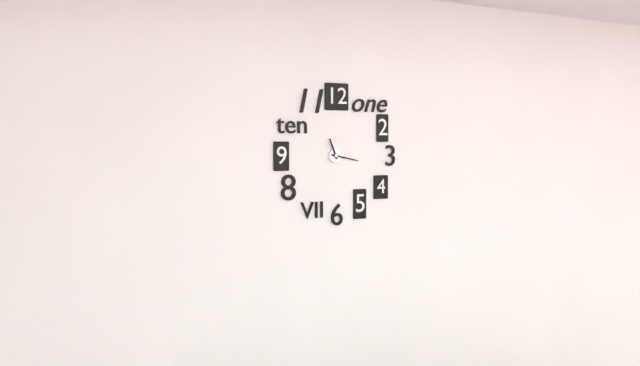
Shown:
h=11 m=17
